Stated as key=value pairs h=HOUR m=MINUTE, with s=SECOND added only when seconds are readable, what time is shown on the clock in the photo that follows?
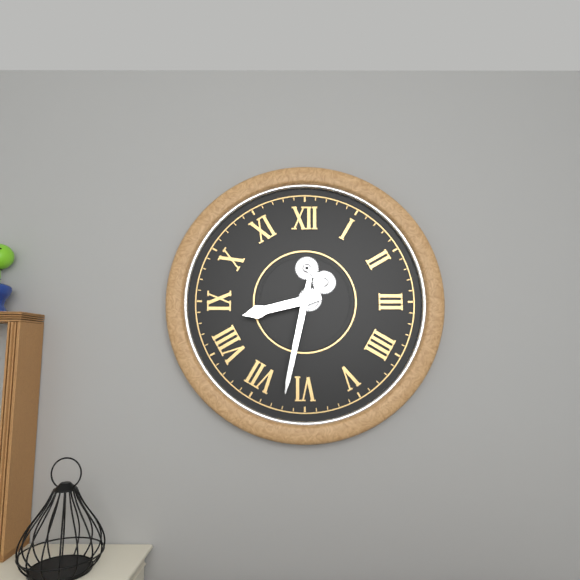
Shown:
h=8 m=32
